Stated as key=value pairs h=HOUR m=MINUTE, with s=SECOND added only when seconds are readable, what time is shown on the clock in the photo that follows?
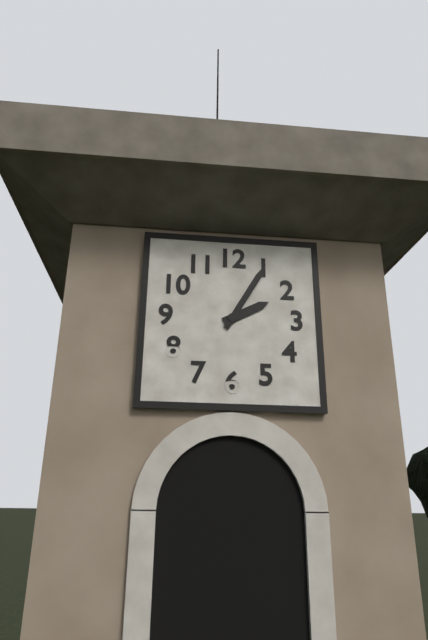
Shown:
h=2 m=5
